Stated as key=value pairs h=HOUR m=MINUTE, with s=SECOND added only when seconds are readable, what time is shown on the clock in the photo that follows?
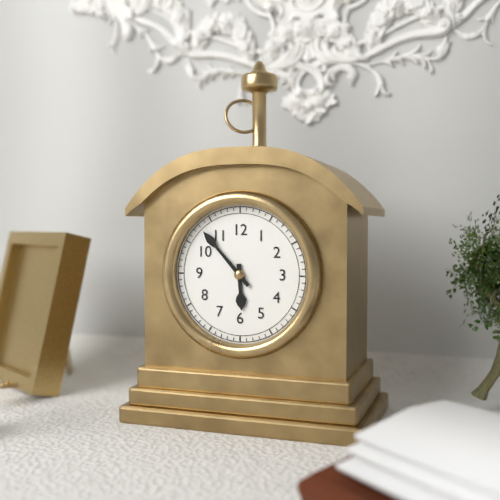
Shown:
h=5 m=53
